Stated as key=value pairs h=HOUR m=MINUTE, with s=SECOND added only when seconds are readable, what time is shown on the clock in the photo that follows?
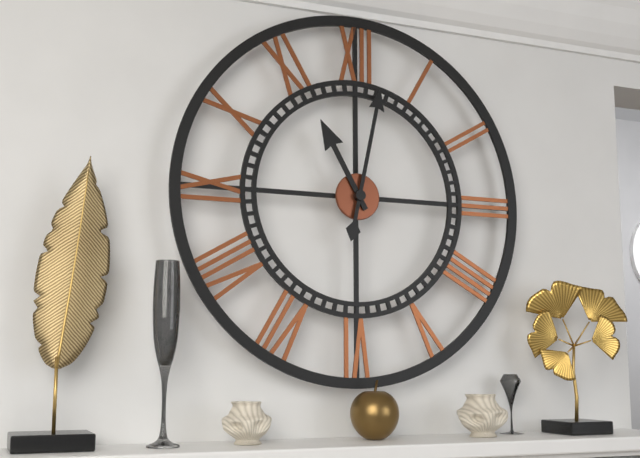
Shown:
h=11 m=2
